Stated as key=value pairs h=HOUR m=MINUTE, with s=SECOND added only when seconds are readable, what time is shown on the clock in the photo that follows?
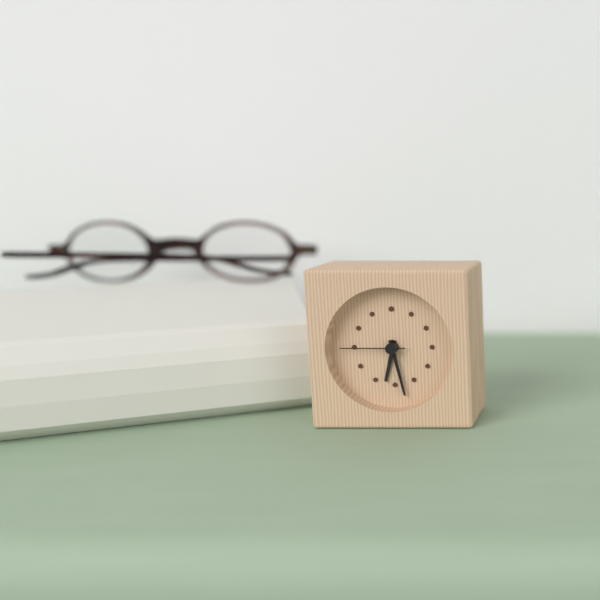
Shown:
h=6 m=28 s=45
